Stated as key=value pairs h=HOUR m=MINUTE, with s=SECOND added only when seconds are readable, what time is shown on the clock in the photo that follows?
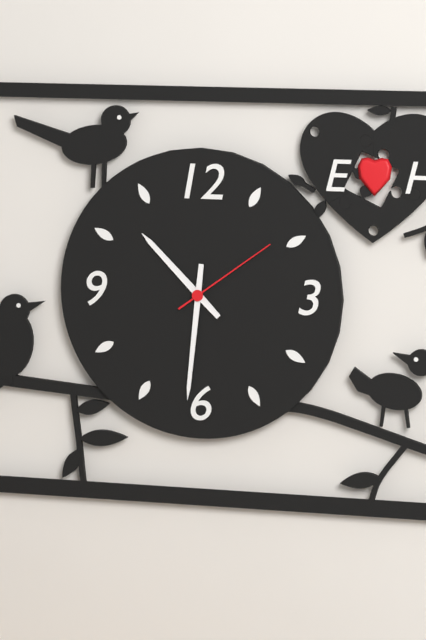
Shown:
h=10 m=31 s=9
